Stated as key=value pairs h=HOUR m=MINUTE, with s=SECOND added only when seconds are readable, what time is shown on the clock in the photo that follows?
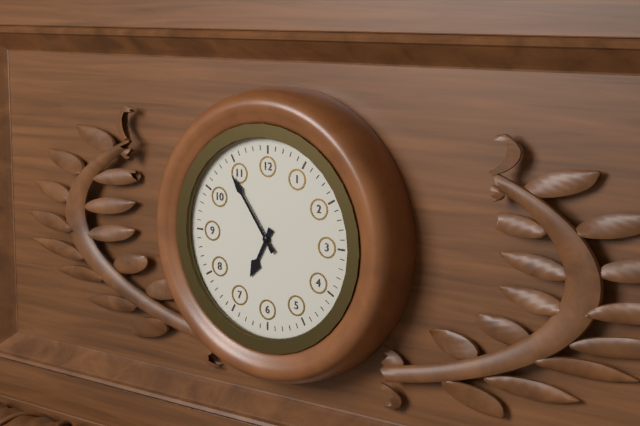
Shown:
h=6 m=54
